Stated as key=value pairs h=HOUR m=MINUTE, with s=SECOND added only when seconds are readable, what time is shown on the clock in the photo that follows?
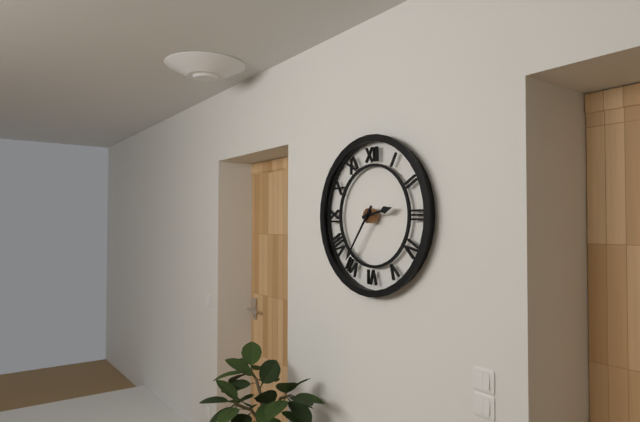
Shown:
h=2 m=36
